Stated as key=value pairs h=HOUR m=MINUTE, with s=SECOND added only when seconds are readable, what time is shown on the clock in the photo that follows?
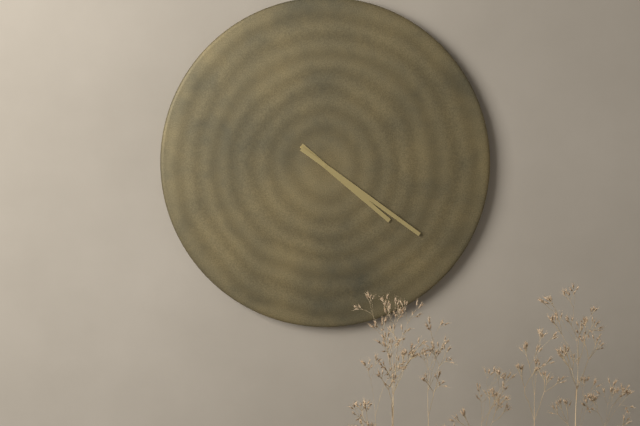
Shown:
h=4 m=21
